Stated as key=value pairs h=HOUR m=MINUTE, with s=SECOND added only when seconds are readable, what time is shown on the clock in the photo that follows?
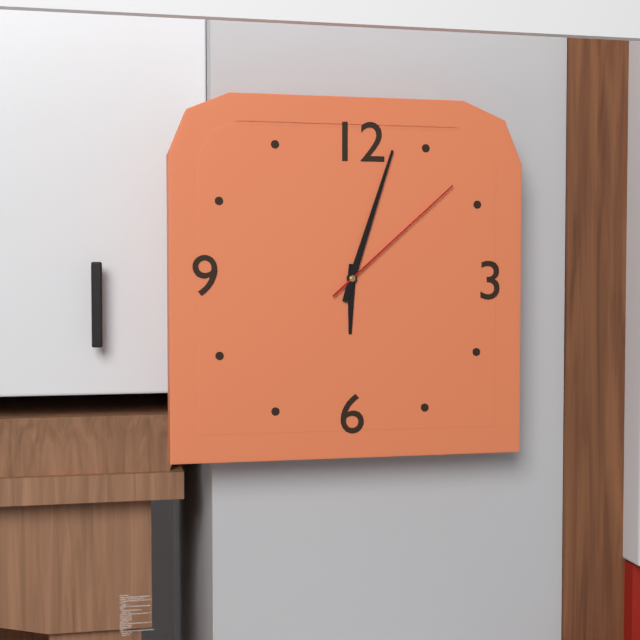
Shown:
h=6 m=3 s=8
